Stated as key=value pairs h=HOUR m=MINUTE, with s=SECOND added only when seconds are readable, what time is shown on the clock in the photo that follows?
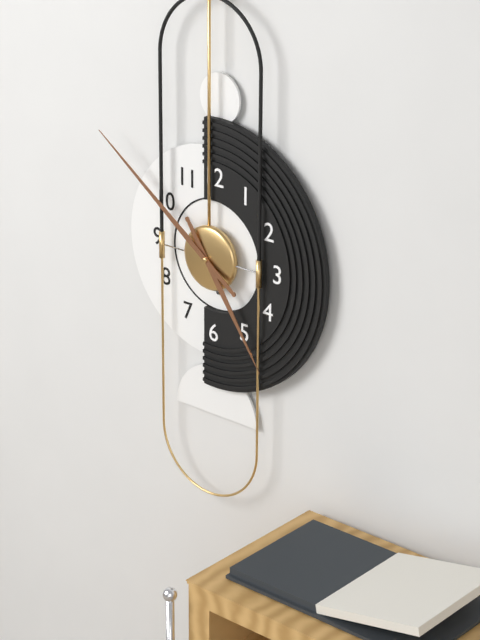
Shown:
h=4 m=51
